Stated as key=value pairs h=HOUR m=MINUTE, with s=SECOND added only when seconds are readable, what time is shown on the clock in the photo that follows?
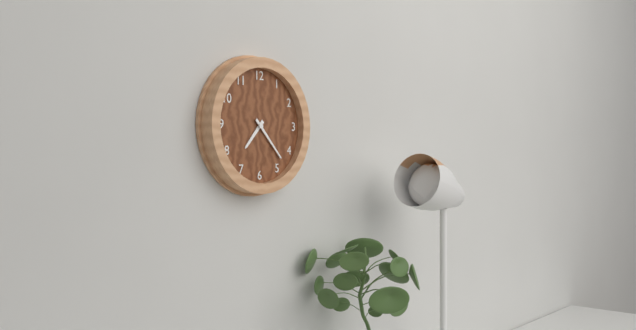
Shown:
h=7 m=23
